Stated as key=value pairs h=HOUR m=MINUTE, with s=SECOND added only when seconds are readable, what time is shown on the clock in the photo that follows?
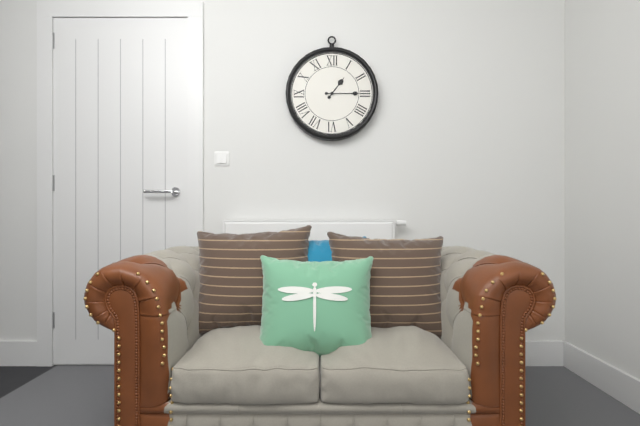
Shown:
h=1 m=15
